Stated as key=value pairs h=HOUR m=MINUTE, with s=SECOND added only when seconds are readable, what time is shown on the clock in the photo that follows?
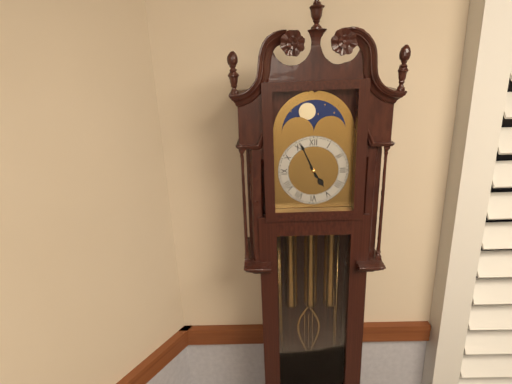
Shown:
h=4 m=56
